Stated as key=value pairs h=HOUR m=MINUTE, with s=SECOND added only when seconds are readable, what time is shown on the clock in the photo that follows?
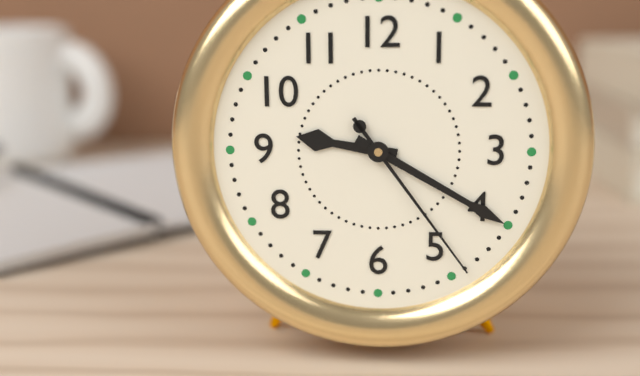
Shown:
h=9 m=20 s=24
